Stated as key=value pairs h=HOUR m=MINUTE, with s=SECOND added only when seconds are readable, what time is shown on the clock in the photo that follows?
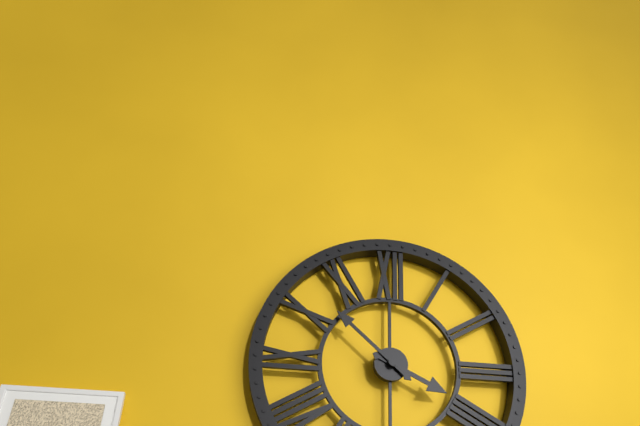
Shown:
h=3 m=52
